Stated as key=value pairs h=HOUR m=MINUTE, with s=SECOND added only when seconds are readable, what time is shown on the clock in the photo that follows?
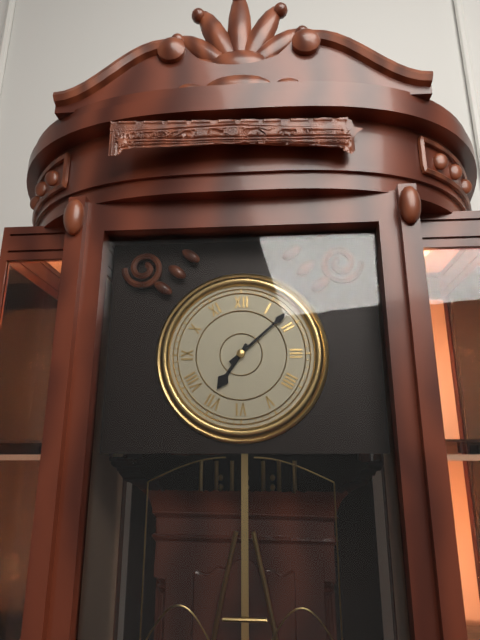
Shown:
h=7 m=8
